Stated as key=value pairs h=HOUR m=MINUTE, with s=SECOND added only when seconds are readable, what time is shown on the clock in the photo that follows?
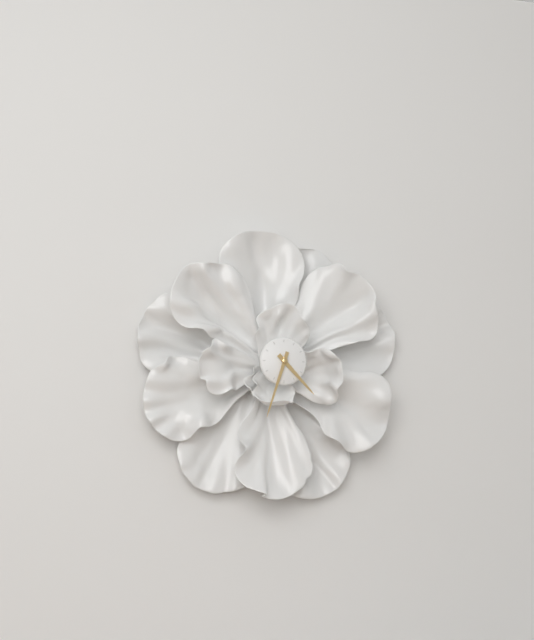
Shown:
h=4 m=33
